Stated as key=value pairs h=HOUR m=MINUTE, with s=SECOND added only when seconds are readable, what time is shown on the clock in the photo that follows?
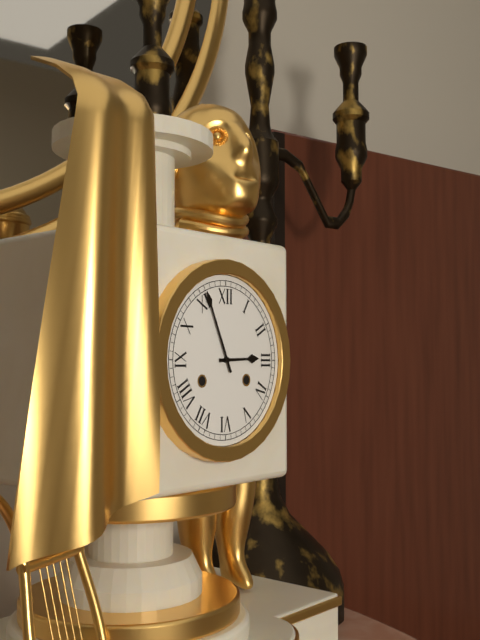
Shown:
h=2 m=56
